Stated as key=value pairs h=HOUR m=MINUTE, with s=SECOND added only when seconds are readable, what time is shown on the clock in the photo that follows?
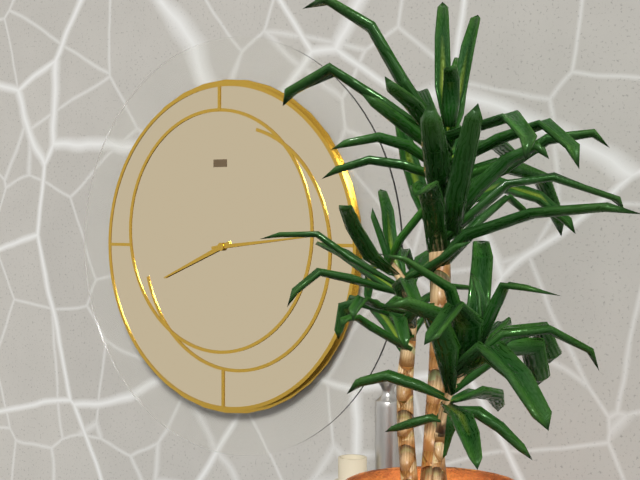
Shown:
h=8 m=14
